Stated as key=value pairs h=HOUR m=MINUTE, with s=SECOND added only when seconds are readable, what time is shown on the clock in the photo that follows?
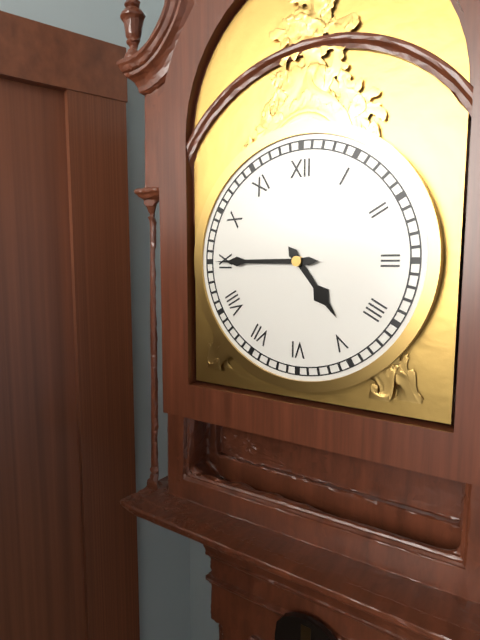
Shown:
h=4 m=45
